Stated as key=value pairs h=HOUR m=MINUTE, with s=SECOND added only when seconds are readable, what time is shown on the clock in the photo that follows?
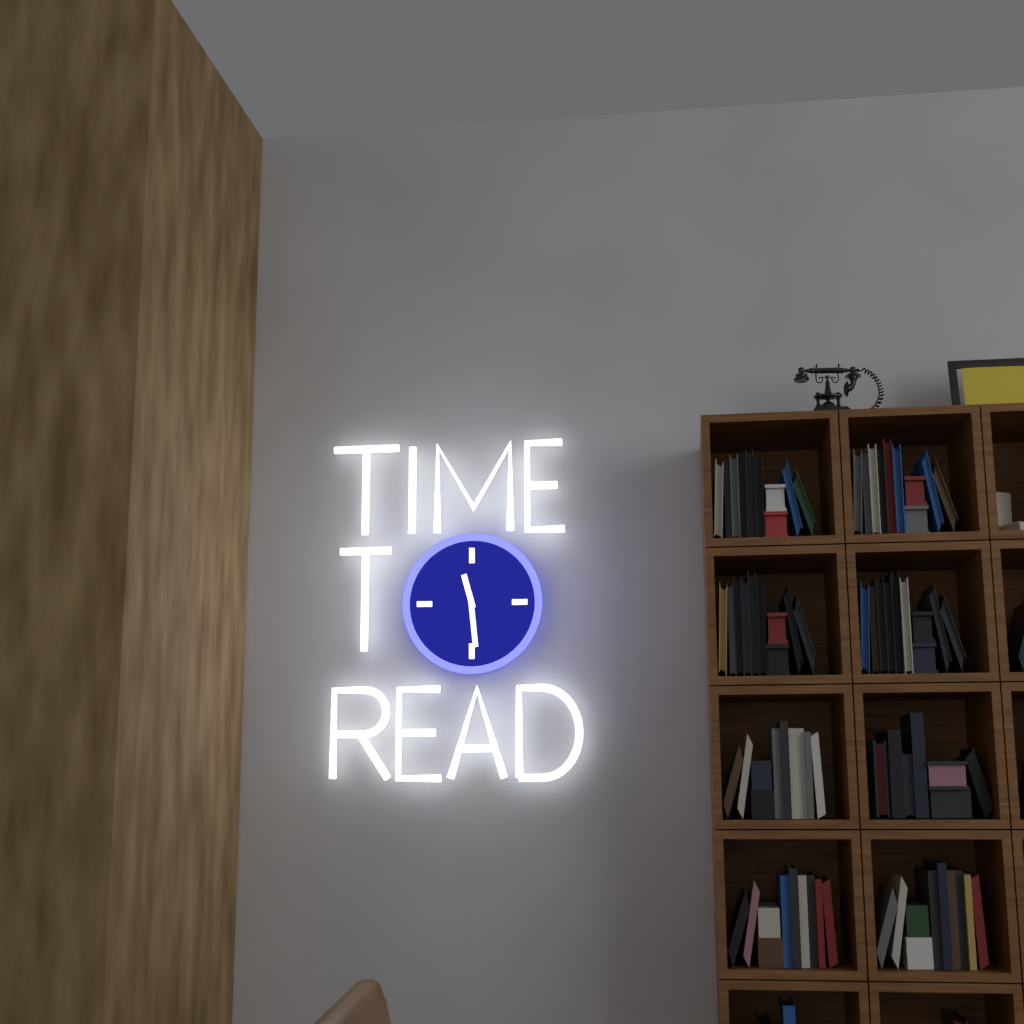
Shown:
h=11 m=29
